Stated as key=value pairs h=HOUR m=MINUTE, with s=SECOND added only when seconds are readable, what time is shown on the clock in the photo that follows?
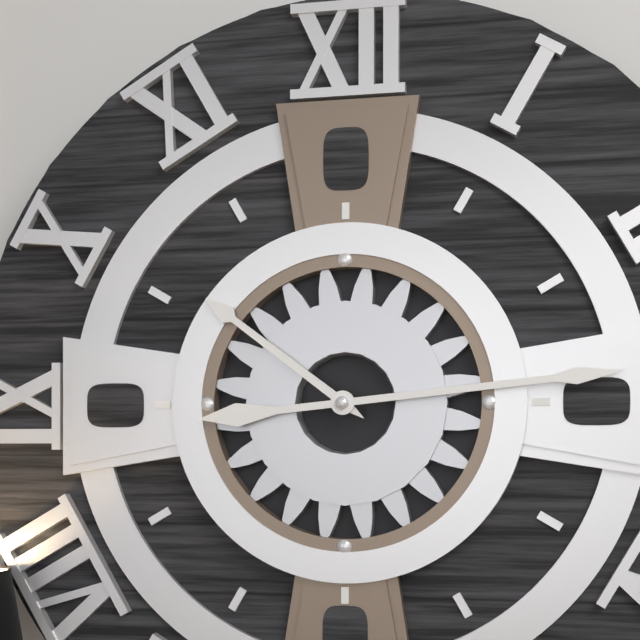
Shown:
h=10 m=14
